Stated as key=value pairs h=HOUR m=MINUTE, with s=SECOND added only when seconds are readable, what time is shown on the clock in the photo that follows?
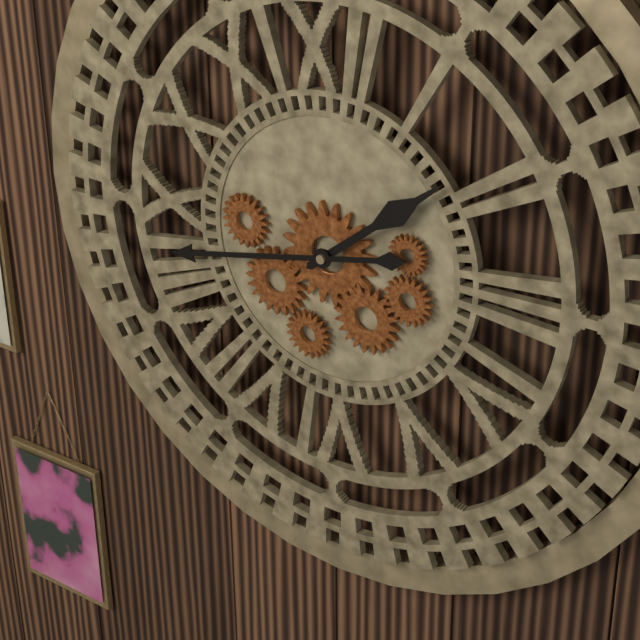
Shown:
h=1 m=43
